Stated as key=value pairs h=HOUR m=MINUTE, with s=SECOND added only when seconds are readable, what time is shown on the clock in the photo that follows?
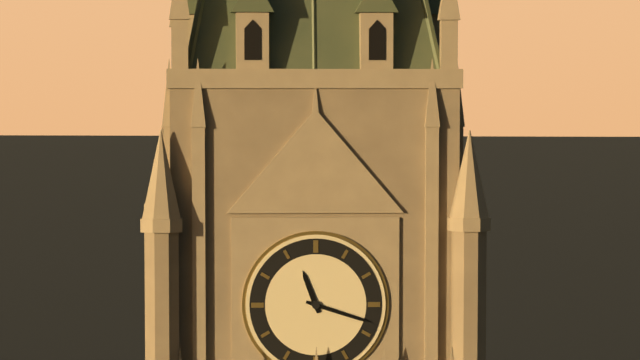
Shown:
h=11 m=18
